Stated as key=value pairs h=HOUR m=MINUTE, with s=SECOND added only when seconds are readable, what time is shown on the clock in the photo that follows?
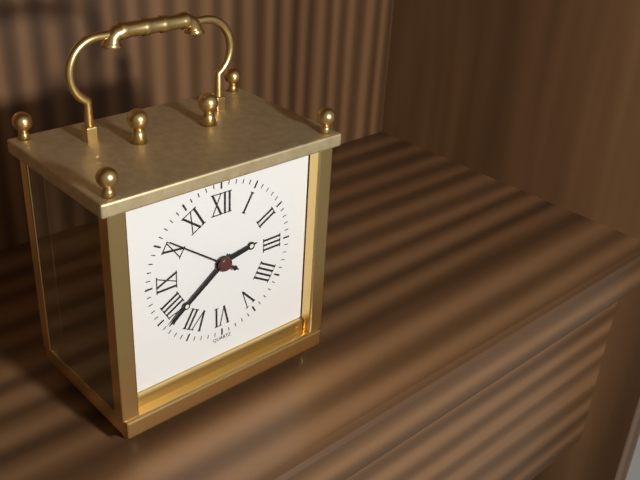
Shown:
h=2 m=39 s=51
